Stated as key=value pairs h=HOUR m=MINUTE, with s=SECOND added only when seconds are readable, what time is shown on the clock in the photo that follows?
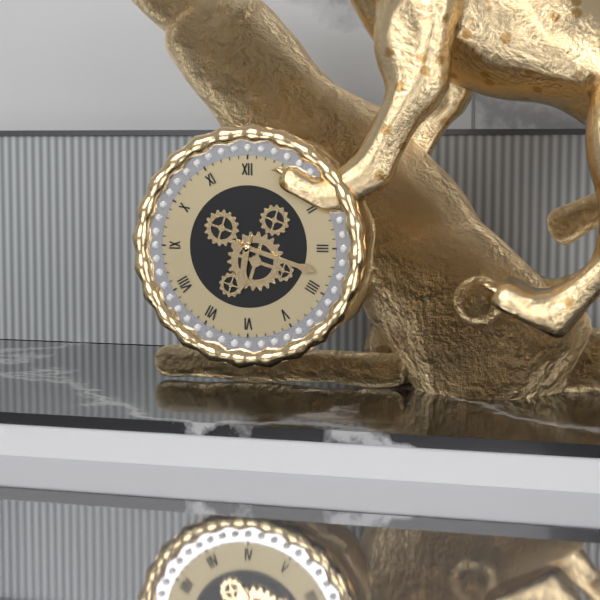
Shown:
h=6 m=18
